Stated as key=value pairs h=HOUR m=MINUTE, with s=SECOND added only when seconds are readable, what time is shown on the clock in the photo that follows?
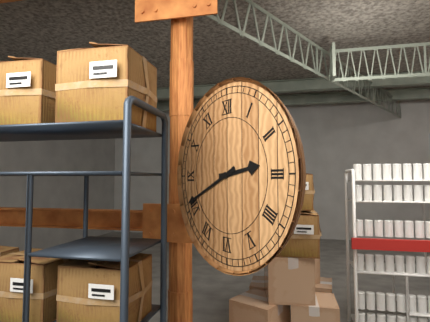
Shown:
h=2 m=41
